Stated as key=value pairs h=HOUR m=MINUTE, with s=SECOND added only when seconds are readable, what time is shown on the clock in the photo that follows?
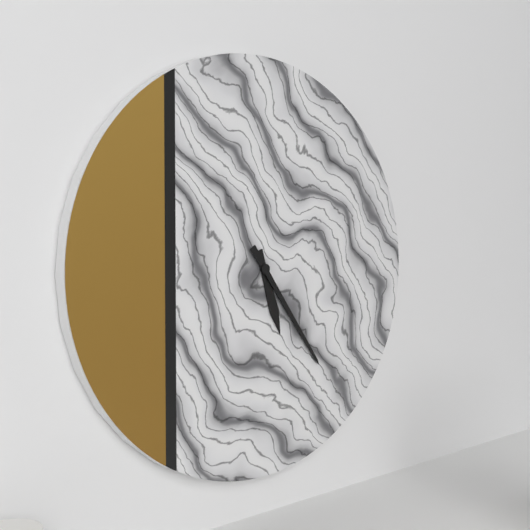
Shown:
h=5 m=24
